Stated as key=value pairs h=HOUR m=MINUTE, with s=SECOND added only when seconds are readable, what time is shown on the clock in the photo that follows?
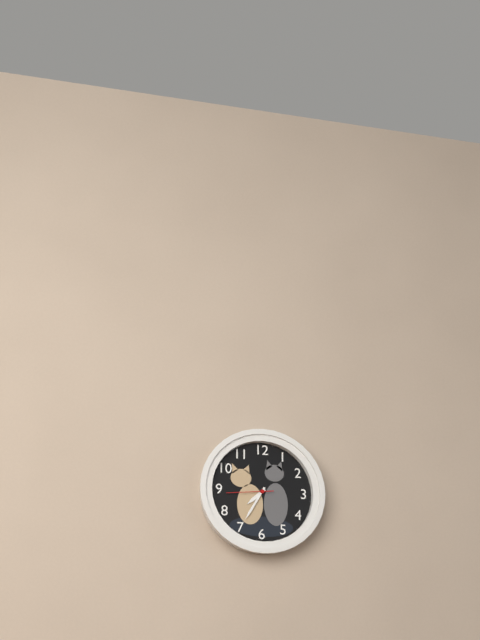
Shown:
h=7 m=35
